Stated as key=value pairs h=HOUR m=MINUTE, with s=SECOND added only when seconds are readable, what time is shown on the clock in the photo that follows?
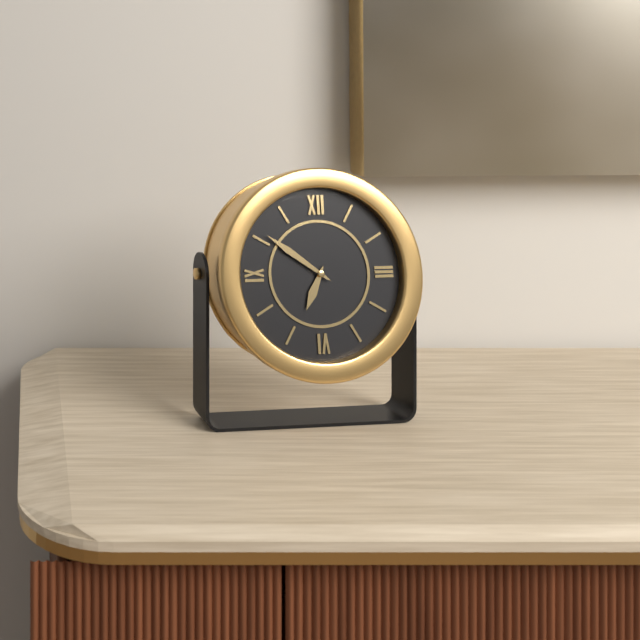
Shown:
h=6 m=51
